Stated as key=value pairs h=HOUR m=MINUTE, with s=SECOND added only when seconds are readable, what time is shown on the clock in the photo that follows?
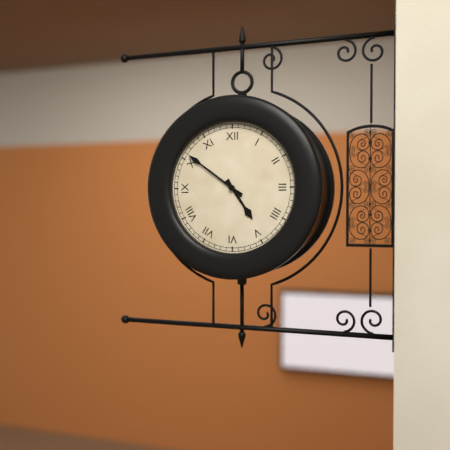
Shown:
h=4 m=51
